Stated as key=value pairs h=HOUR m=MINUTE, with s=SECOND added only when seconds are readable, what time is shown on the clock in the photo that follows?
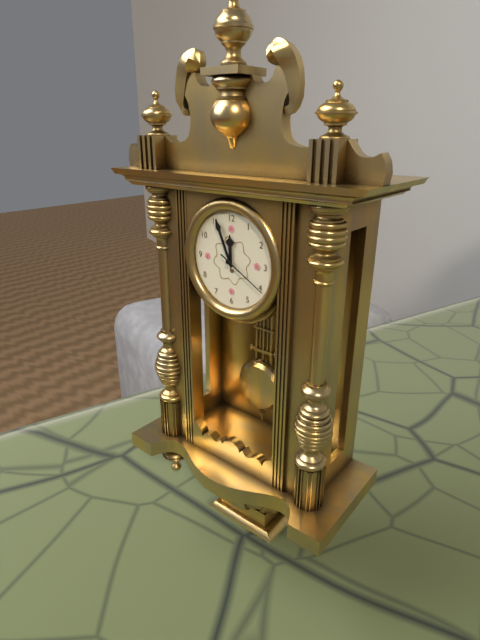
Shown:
h=11 m=56 s=20
